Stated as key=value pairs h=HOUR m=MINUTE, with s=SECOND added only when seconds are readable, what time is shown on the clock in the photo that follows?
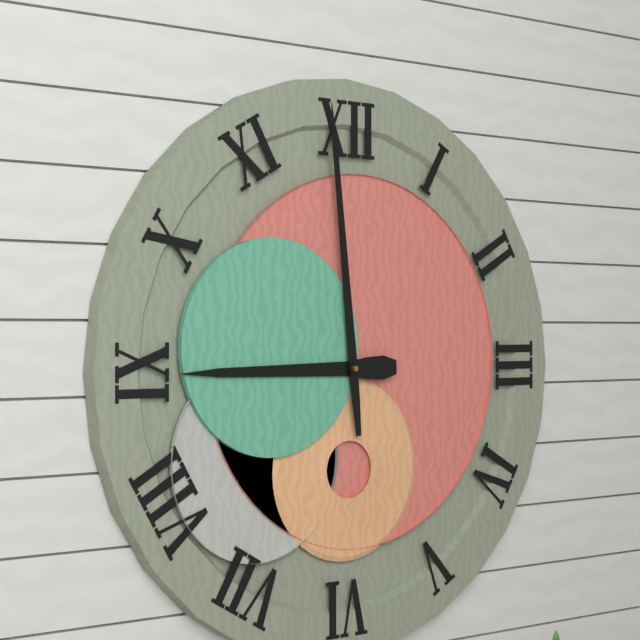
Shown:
h=8 m=59
